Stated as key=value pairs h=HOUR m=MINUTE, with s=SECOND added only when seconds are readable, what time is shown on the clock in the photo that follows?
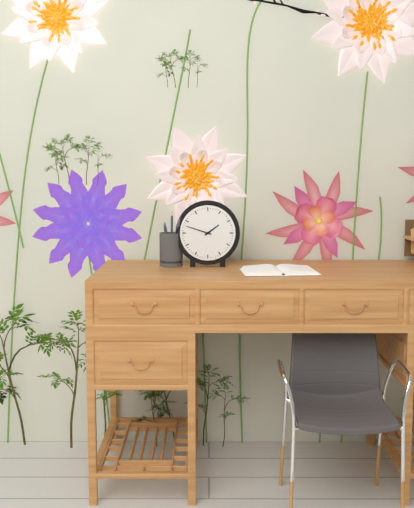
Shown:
h=1 m=48
